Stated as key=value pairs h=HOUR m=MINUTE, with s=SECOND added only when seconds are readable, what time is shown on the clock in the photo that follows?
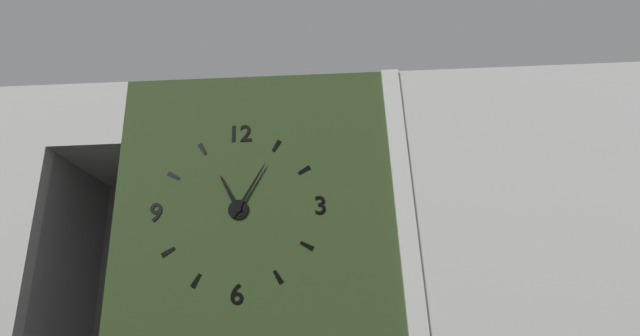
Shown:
h=11 m=5
